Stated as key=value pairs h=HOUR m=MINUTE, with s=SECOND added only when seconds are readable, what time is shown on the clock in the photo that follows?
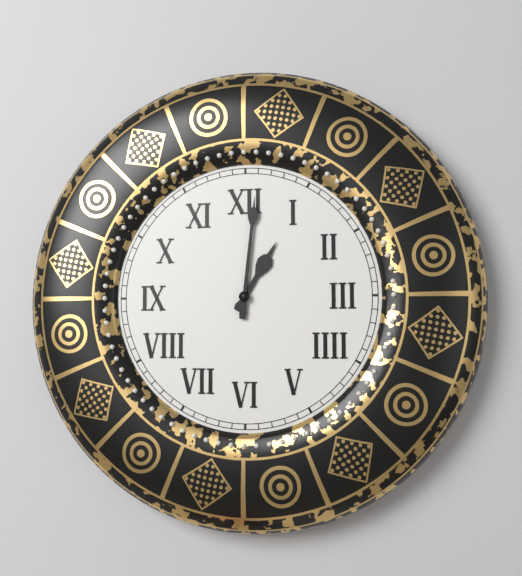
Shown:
h=1 m=1
